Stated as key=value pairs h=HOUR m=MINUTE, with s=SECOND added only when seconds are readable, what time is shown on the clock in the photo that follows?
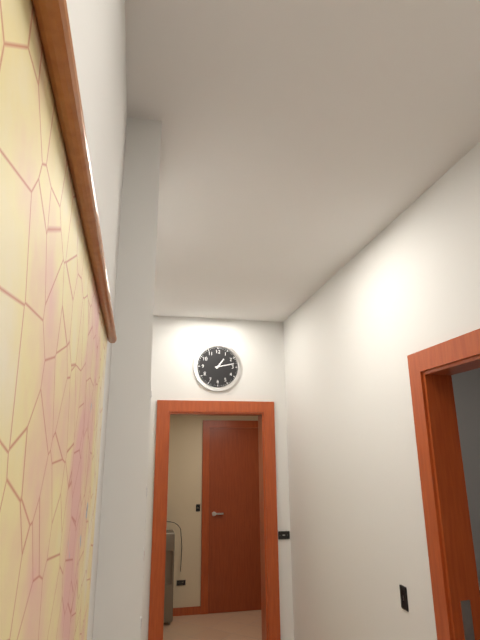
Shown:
h=1 m=13
